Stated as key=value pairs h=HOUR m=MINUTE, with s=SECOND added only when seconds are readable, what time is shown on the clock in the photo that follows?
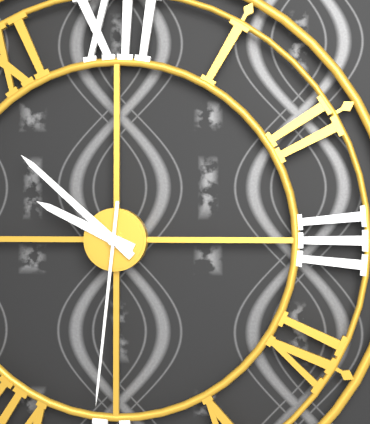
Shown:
h=9 m=52 s=31
